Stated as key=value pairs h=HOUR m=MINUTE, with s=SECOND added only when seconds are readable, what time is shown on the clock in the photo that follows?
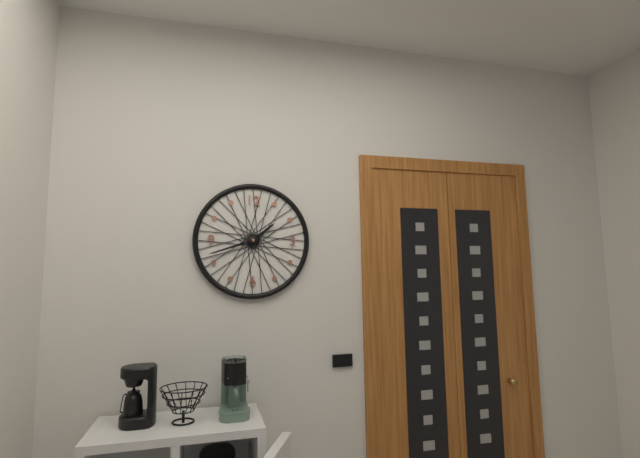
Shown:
h=1 m=42
